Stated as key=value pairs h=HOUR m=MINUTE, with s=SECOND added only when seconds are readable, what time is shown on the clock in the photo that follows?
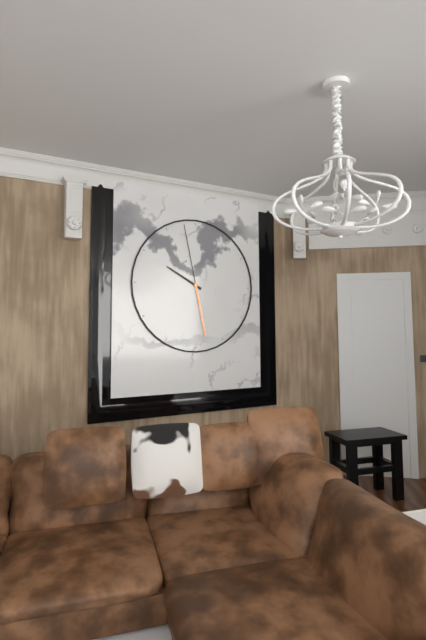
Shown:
h=9 m=58
